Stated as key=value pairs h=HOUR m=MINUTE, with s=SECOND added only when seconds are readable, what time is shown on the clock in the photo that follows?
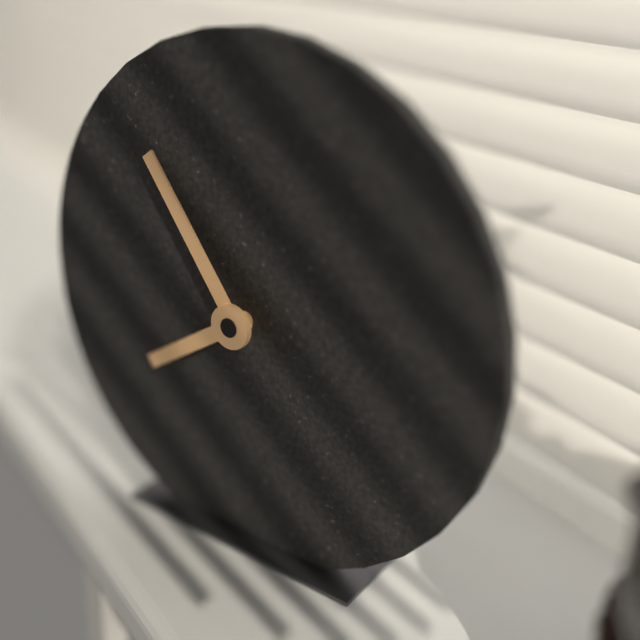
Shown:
h=7 m=54
